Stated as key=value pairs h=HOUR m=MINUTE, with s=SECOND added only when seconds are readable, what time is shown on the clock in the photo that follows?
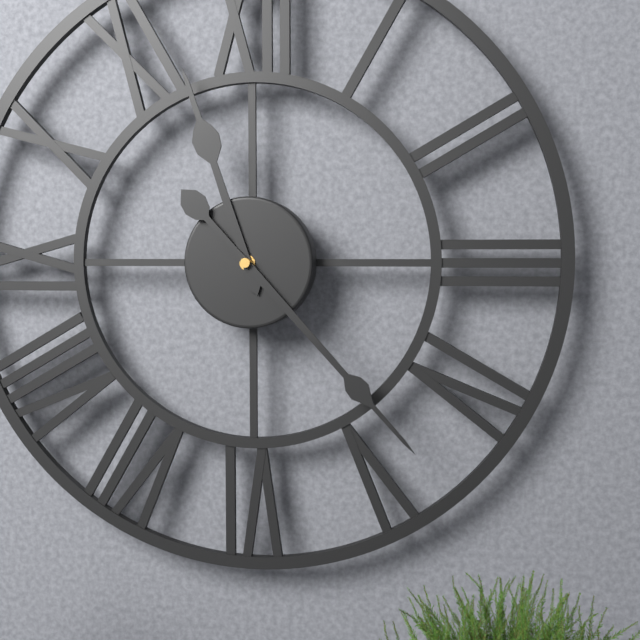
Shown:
h=11 m=23
